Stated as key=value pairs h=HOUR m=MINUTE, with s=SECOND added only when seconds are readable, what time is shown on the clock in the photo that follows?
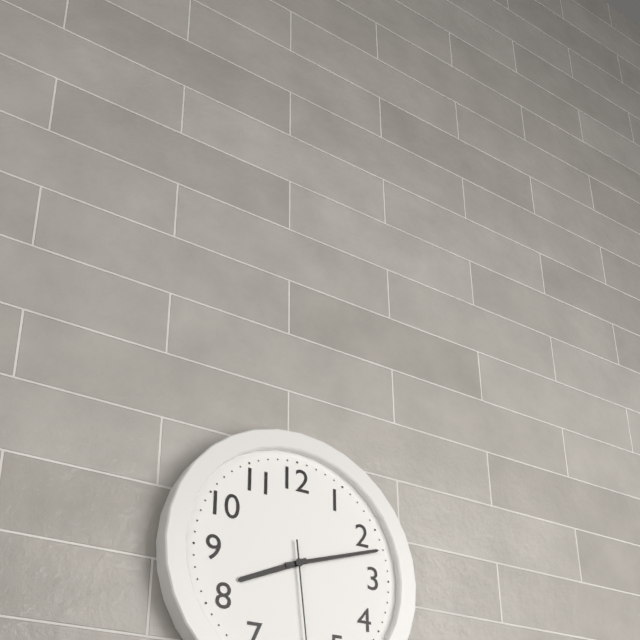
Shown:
h=8 m=12
